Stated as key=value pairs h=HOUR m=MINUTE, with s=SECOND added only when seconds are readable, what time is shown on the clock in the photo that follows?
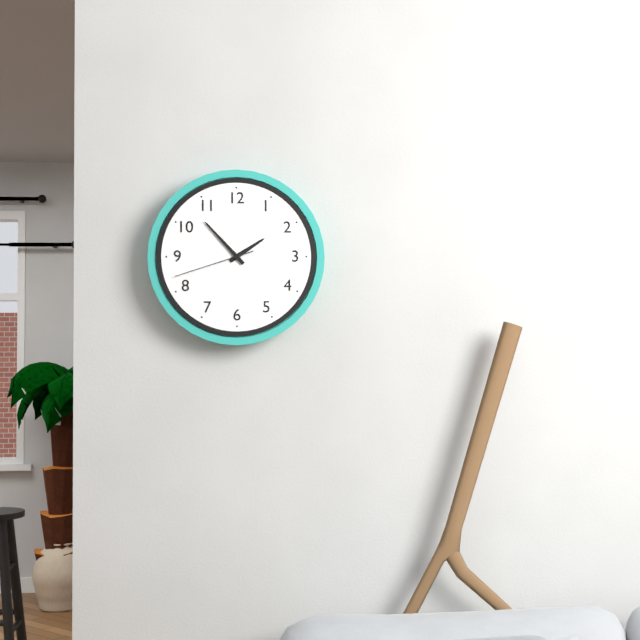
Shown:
h=1 m=53 s=42
